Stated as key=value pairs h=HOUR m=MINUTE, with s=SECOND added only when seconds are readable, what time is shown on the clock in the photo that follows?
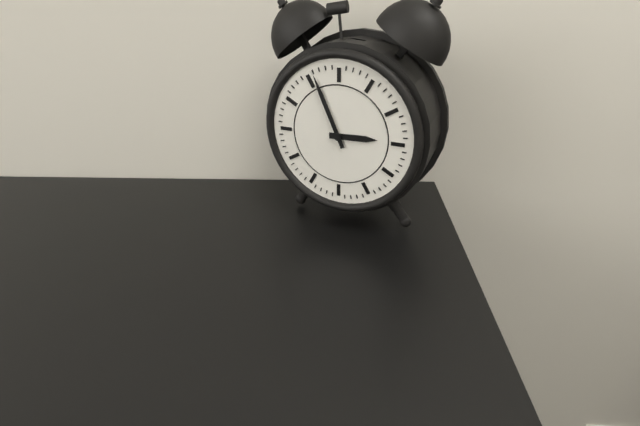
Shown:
h=2 m=56
